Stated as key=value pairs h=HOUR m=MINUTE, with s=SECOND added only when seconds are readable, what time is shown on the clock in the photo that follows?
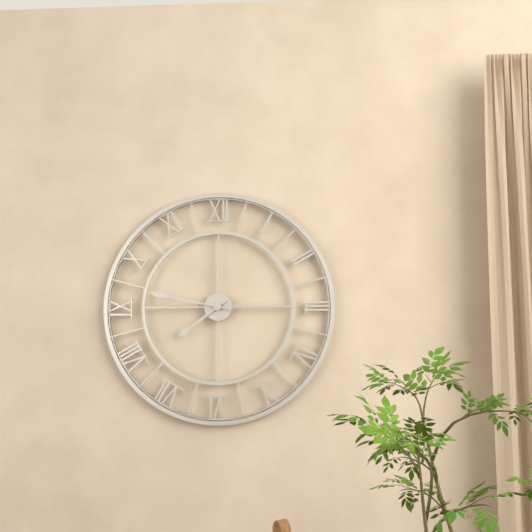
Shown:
h=7 m=47
